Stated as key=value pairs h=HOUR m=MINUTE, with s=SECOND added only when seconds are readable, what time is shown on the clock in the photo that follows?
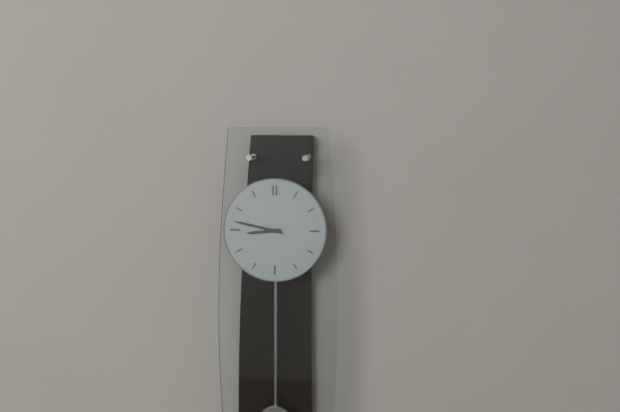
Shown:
h=8 m=47
